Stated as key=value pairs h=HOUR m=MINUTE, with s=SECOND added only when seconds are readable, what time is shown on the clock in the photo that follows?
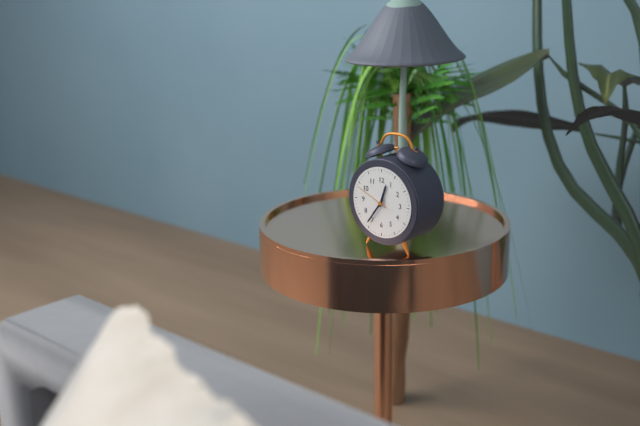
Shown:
h=12 m=36
